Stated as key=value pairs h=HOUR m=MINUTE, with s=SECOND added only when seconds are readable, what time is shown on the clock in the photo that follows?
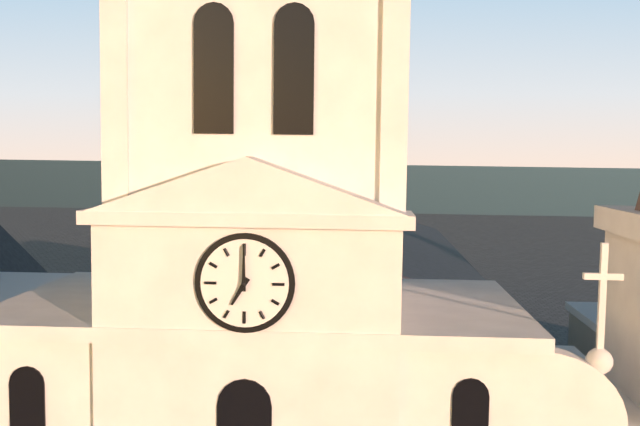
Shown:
h=7 m=0
